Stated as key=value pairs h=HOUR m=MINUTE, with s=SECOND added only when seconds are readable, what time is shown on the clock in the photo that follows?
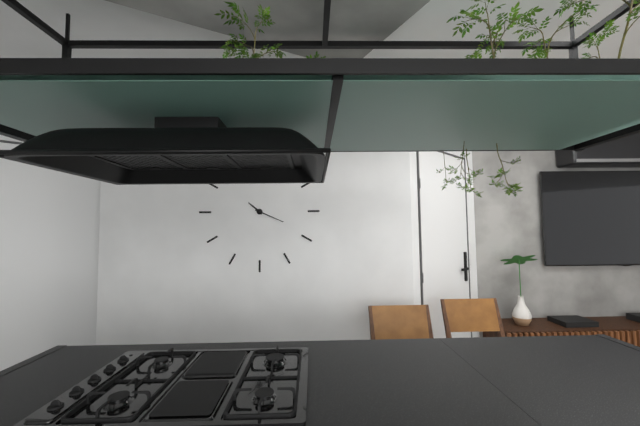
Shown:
h=10 m=19
